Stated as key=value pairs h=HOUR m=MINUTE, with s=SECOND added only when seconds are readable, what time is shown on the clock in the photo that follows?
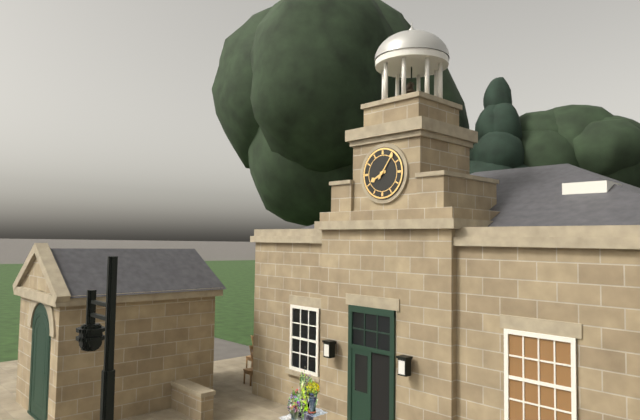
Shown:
h=8 m=6
